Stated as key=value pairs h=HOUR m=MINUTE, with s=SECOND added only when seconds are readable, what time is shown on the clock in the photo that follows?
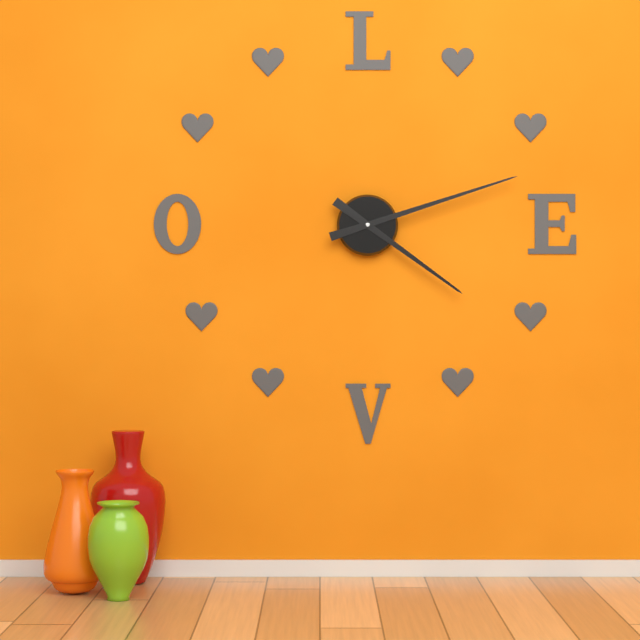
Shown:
h=4 m=12
